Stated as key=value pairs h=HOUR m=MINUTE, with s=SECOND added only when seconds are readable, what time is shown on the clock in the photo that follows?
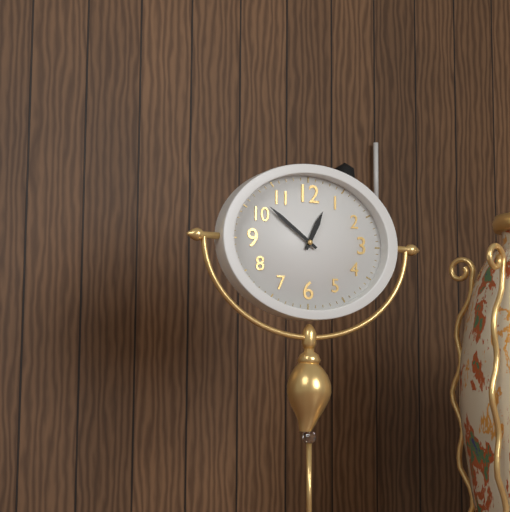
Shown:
h=12 m=51
